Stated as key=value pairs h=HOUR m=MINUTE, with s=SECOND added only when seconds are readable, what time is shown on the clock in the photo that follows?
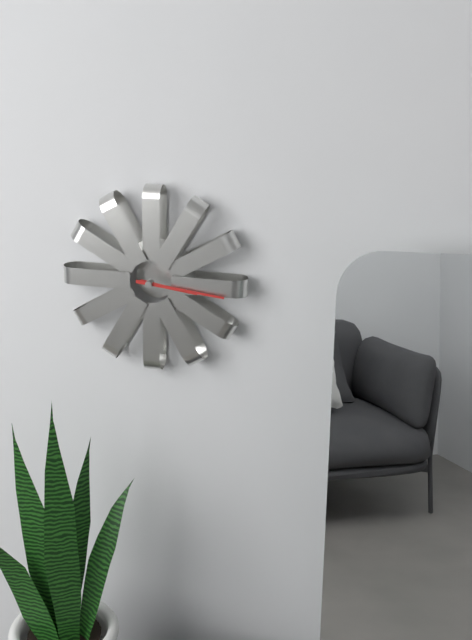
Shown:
h=3 m=16
